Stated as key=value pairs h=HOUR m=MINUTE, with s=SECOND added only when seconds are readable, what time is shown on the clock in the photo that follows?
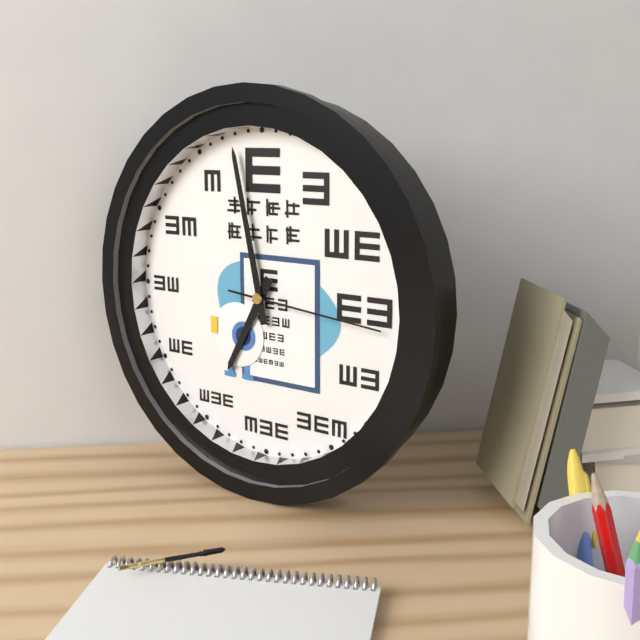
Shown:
h=6 m=58 s=16
